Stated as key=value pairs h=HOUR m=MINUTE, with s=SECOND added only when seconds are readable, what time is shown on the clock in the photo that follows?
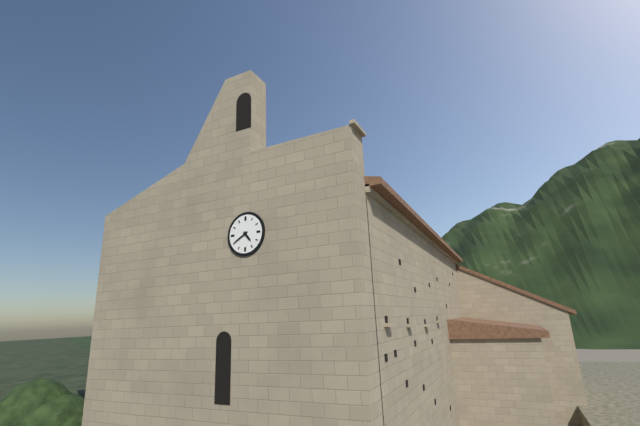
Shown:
h=4 m=40
